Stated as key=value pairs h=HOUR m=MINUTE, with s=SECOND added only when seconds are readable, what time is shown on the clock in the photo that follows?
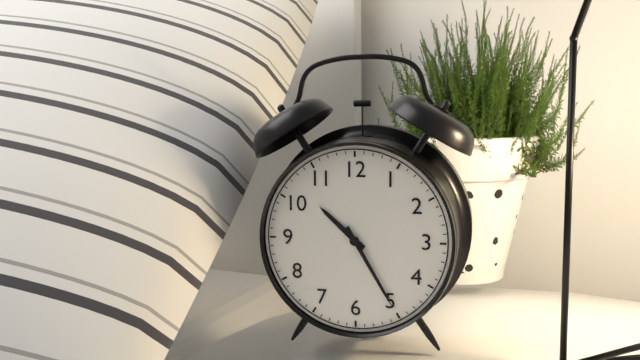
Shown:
h=10 m=25
